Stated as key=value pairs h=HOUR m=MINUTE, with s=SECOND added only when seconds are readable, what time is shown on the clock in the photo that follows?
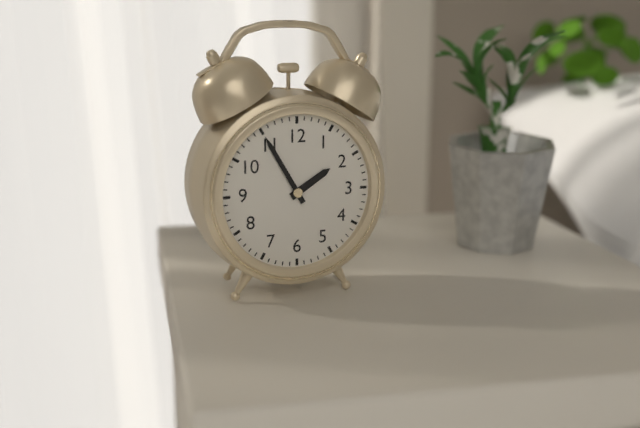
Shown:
h=1 m=55
